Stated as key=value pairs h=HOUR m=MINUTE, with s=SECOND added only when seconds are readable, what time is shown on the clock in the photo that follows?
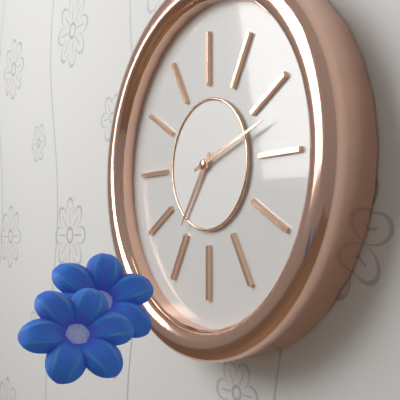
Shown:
h=7 m=12
